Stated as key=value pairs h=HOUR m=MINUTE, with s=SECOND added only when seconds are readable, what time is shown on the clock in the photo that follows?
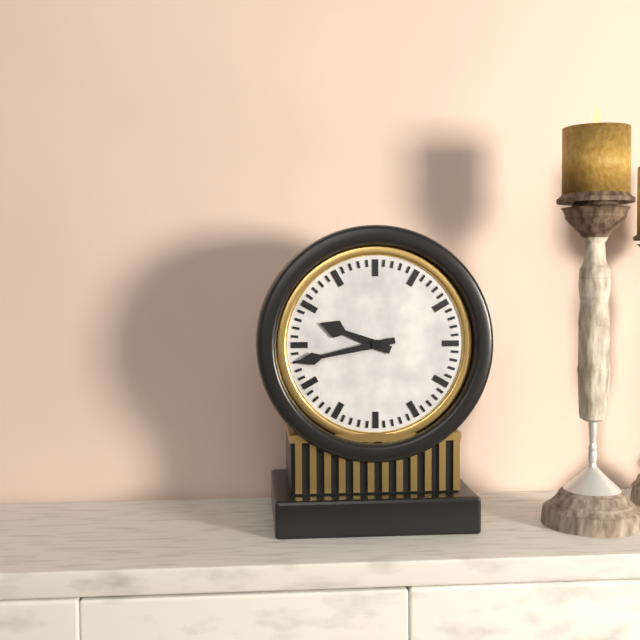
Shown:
h=9 m=43
